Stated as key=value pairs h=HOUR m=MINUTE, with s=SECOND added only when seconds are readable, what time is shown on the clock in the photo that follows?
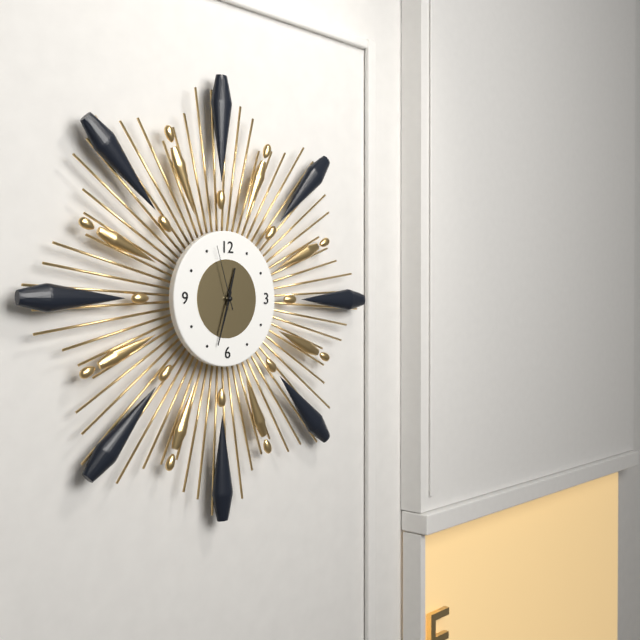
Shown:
h=12 m=33 s=57
